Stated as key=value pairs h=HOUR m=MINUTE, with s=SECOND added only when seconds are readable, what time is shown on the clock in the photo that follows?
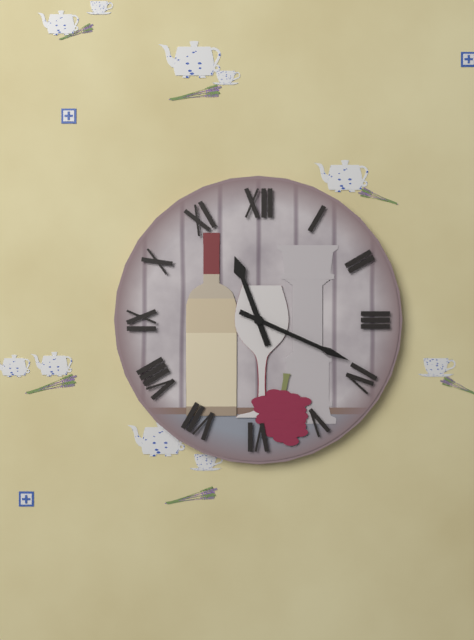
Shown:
h=11 m=19
